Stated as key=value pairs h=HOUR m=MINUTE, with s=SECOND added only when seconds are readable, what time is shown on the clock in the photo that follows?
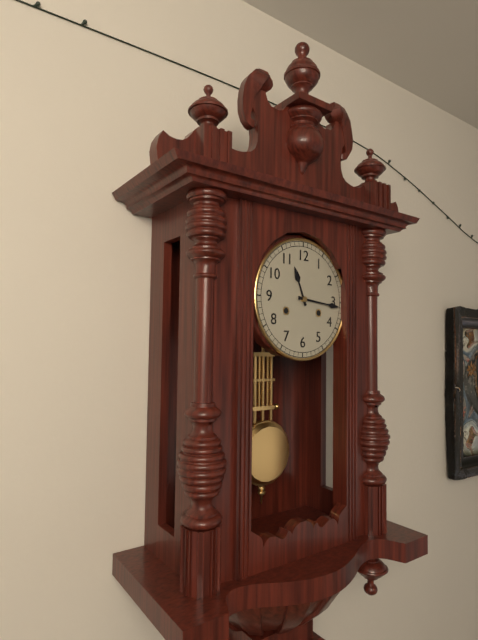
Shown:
h=11 m=16
